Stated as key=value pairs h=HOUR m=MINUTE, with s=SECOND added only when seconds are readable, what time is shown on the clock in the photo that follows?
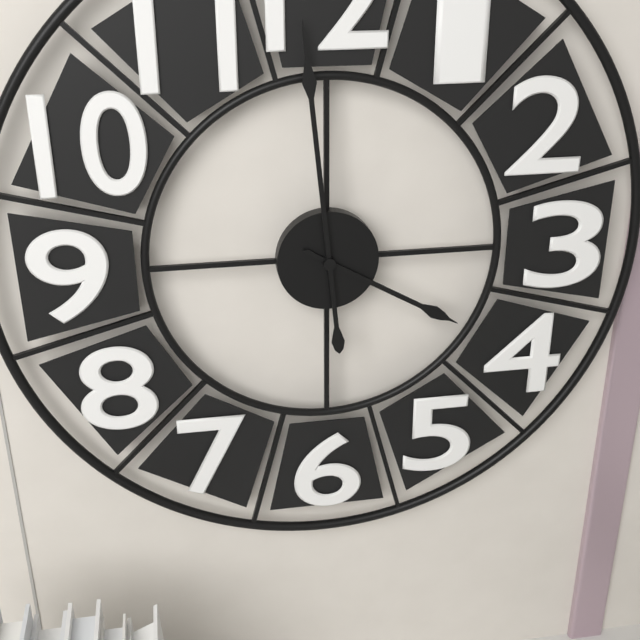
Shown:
h=3 m=59
